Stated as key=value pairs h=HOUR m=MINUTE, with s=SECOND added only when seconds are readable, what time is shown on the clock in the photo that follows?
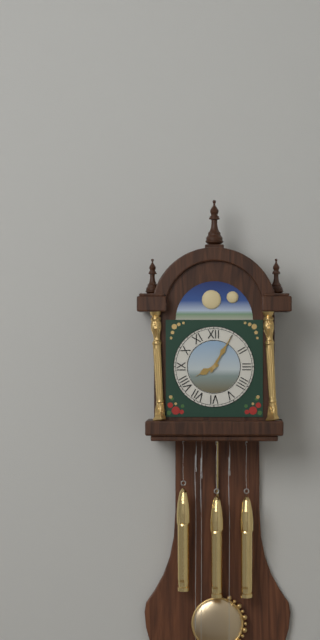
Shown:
h=8 m=5
